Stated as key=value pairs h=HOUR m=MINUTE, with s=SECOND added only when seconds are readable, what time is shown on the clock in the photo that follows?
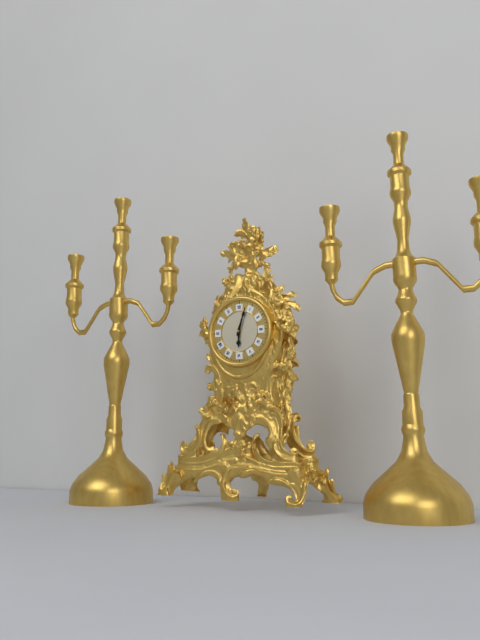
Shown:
h=6 m=3
